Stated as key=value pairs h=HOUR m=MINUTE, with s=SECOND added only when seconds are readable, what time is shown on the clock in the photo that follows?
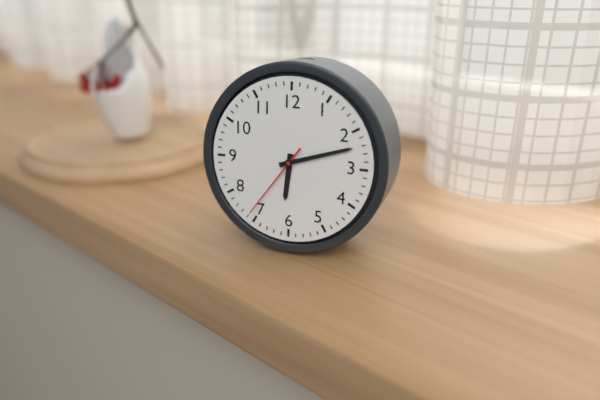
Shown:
h=6 m=12 s=36
